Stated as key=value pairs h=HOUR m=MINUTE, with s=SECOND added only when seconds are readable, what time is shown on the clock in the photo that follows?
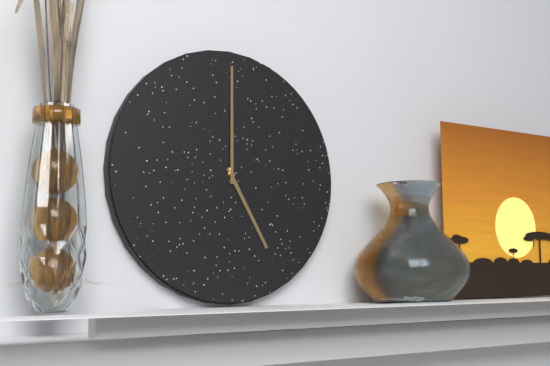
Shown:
h=5 m=0
